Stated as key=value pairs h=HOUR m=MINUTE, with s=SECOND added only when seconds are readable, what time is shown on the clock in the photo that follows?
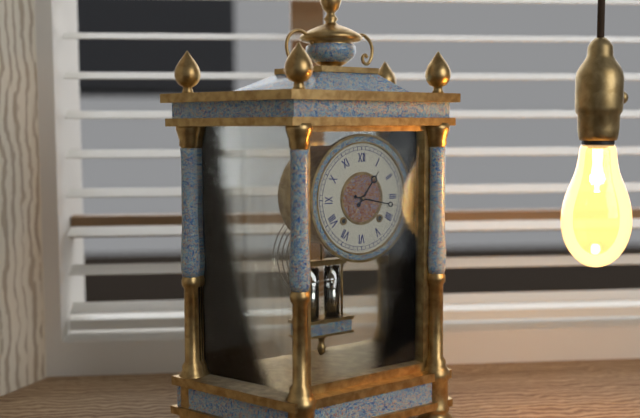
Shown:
h=1 m=17
